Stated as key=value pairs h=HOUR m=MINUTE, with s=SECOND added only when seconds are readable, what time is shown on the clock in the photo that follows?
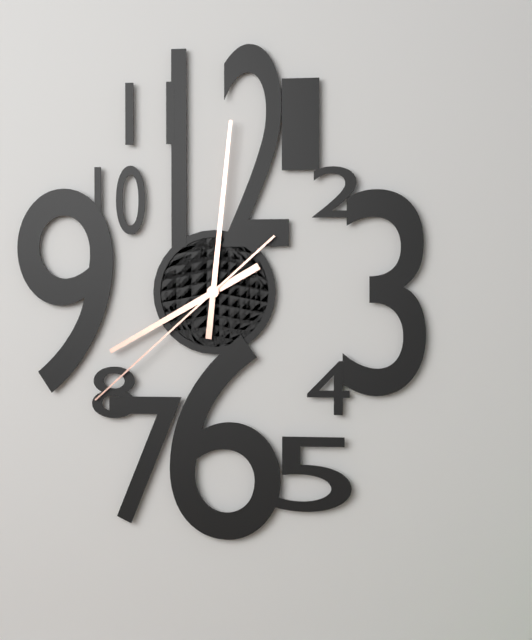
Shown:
h=8 m=1 s=38
